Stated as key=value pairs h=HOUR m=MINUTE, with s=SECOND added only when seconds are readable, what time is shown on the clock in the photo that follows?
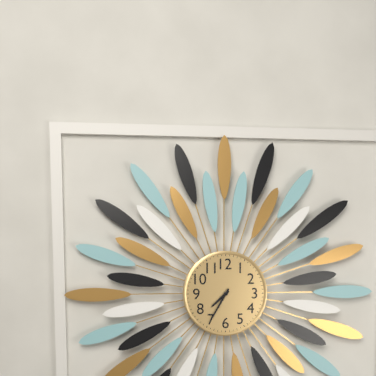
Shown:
h=7 m=35
